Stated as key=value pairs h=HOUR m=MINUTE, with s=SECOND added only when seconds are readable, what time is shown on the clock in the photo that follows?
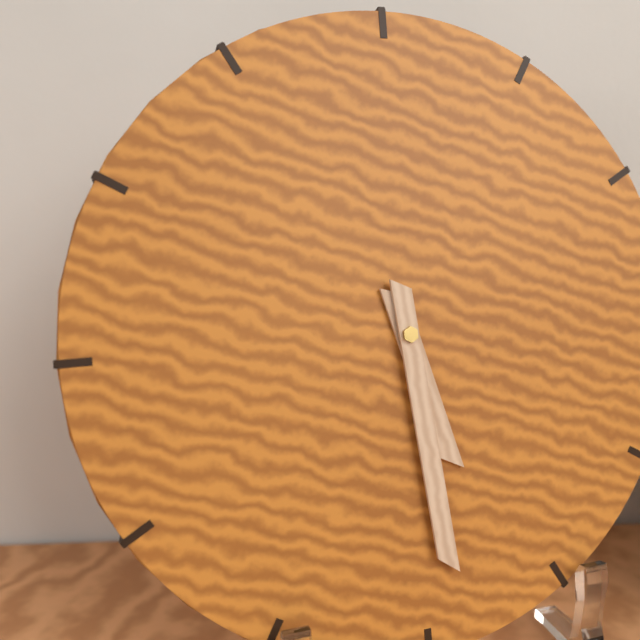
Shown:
h=5 m=29
